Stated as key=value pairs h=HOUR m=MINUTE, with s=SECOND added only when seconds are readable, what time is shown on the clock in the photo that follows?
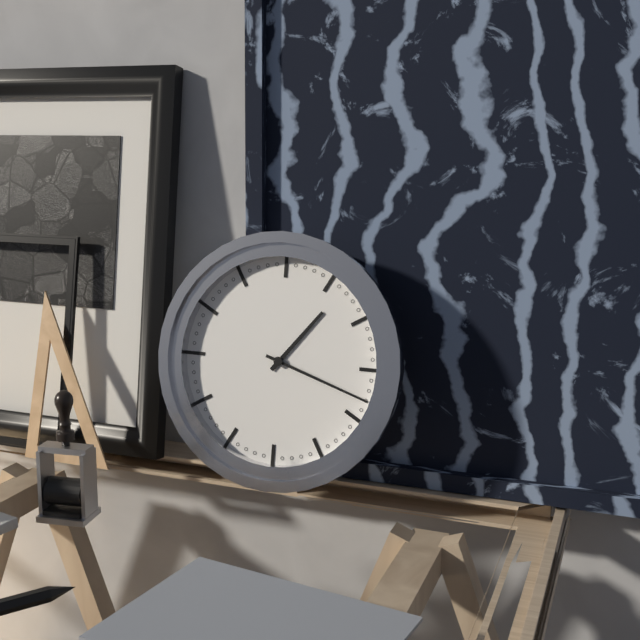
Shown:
h=1 m=18
